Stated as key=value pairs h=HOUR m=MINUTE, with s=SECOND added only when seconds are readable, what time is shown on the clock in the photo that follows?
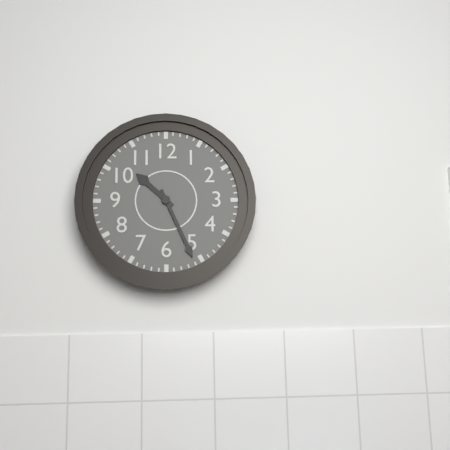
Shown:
h=10 m=26
